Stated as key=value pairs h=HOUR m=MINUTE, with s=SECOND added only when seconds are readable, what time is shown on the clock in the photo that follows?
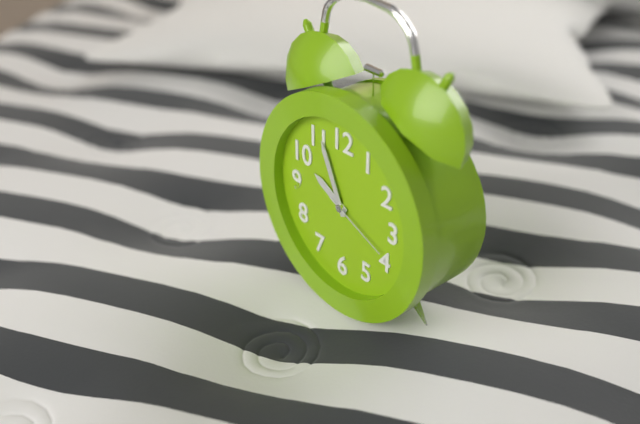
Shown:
h=9 m=56 s=19
